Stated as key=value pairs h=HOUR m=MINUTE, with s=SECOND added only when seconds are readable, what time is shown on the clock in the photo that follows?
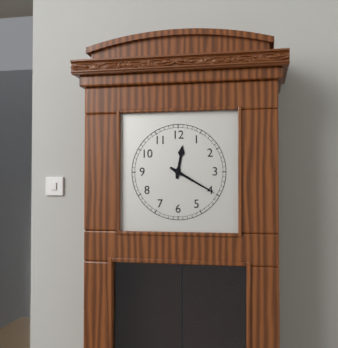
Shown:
h=12 m=20
